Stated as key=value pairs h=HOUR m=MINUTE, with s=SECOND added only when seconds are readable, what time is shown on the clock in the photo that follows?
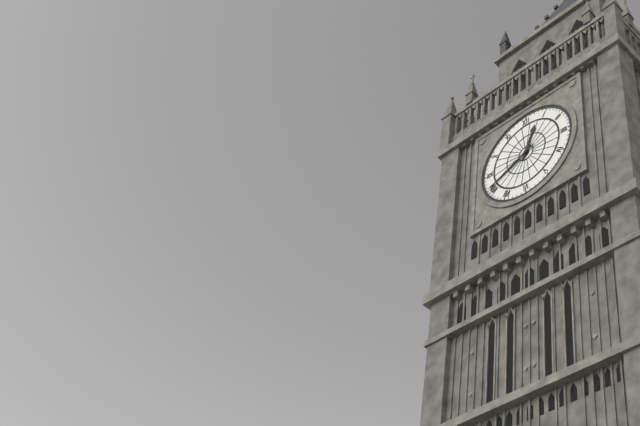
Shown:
h=12 m=41
